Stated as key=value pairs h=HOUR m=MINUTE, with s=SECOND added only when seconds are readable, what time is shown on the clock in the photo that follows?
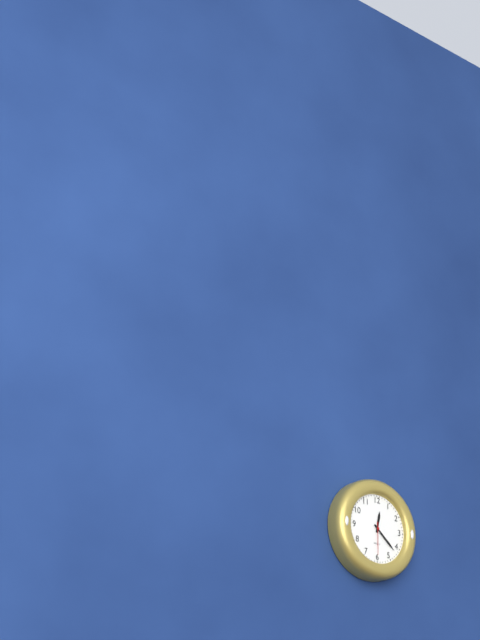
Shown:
h=12 m=22
